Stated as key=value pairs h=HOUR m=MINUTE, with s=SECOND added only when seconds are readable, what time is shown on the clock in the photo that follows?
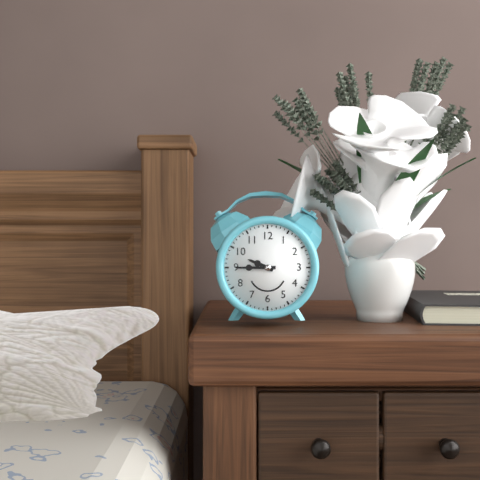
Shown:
h=9 m=45
